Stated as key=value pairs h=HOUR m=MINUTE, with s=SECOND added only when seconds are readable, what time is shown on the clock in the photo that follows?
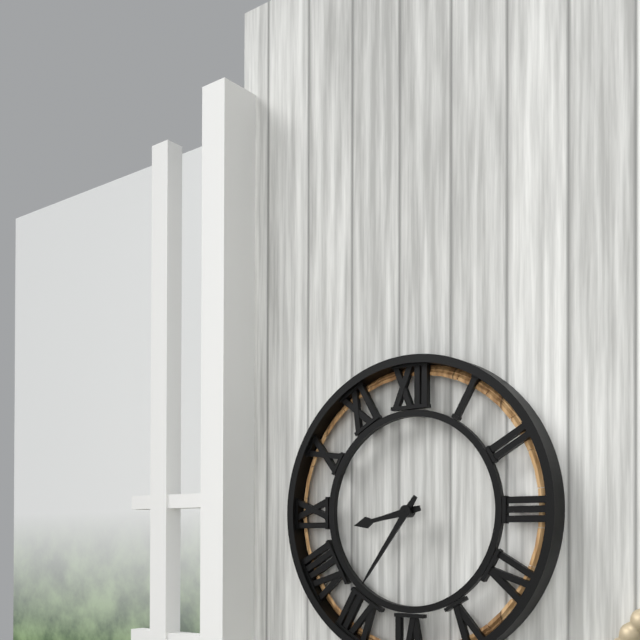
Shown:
h=8 m=36
